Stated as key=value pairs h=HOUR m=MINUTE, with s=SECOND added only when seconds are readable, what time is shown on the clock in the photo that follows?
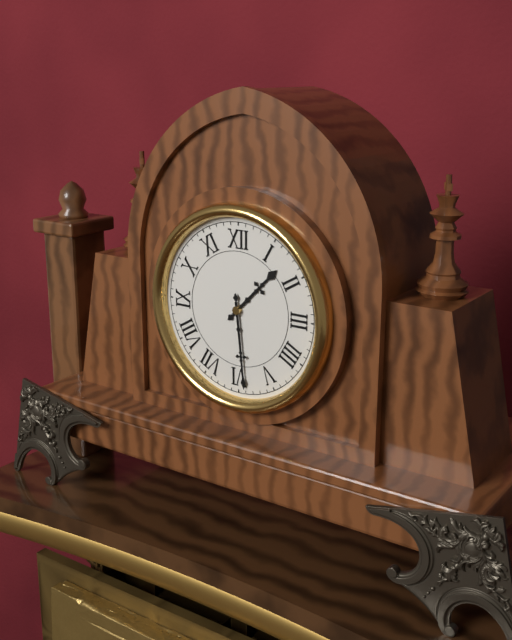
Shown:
h=1 m=29
